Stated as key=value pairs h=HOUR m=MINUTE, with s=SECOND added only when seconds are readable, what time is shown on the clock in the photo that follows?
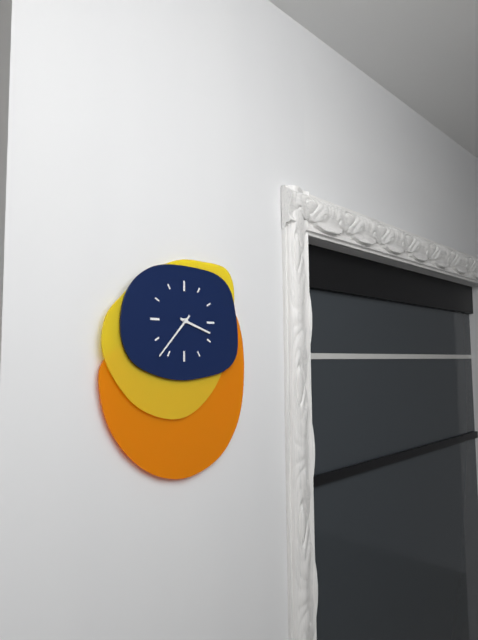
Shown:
h=3 m=37
